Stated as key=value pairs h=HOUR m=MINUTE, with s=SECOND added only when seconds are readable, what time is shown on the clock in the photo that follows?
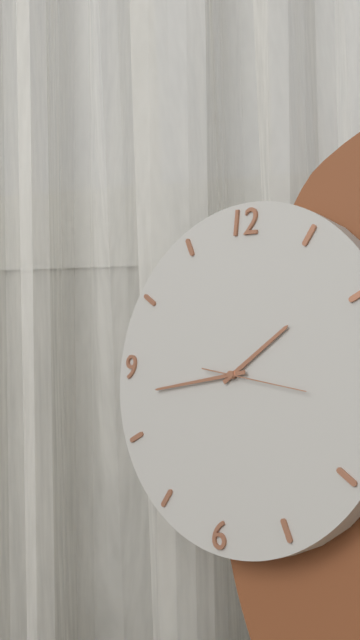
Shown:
h=1 m=43 s=16
